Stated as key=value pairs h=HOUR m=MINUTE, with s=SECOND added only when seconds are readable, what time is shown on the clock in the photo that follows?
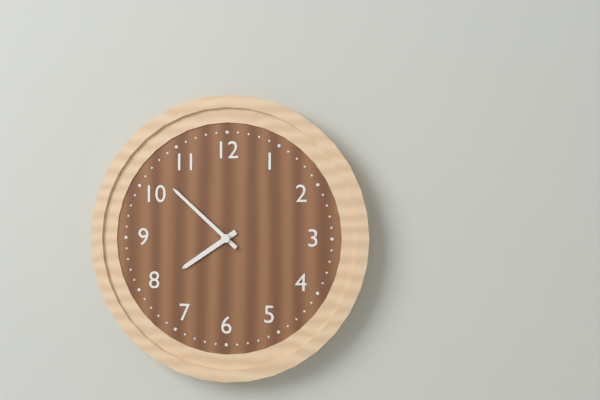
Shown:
h=7 m=52
